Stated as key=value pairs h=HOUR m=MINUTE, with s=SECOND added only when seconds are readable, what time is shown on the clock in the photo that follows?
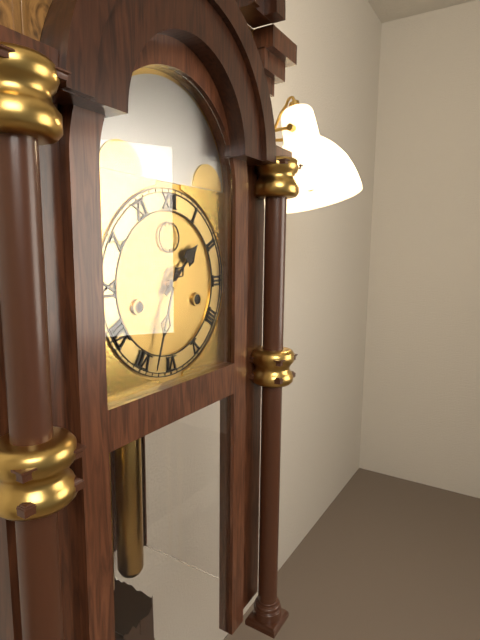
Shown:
h=1 m=33
